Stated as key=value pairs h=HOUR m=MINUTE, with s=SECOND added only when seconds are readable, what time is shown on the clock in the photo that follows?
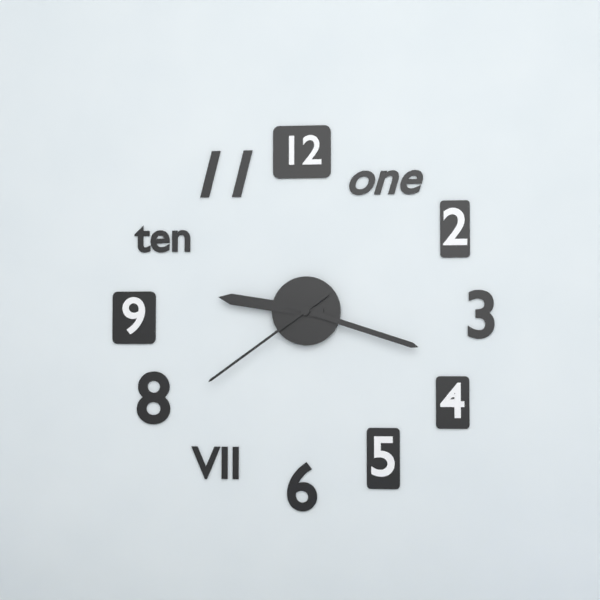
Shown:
h=9 m=18 s=39
